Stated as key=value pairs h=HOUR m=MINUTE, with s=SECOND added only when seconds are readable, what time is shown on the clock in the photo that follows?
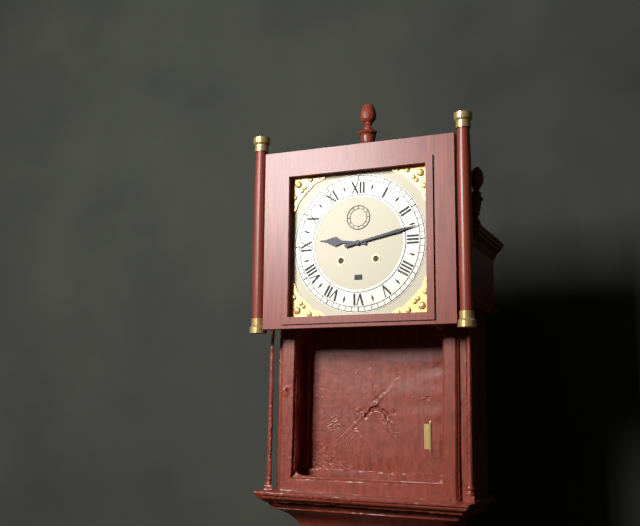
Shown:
h=9 m=13
